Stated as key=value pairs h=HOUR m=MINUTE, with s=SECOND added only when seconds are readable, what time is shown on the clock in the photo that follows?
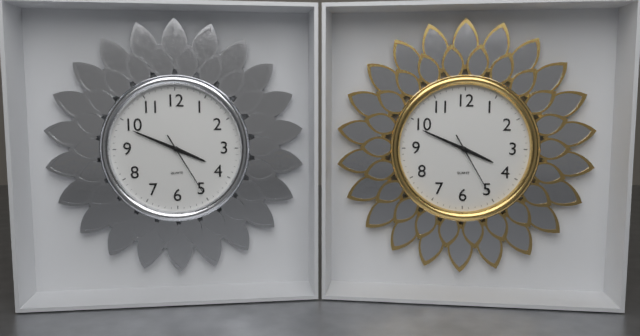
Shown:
h=3 m=49 s=25
